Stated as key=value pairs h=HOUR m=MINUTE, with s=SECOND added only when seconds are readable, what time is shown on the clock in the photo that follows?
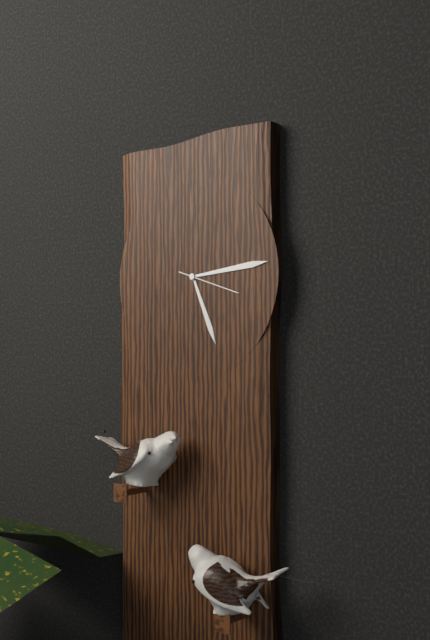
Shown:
h=5 m=14 s=18
